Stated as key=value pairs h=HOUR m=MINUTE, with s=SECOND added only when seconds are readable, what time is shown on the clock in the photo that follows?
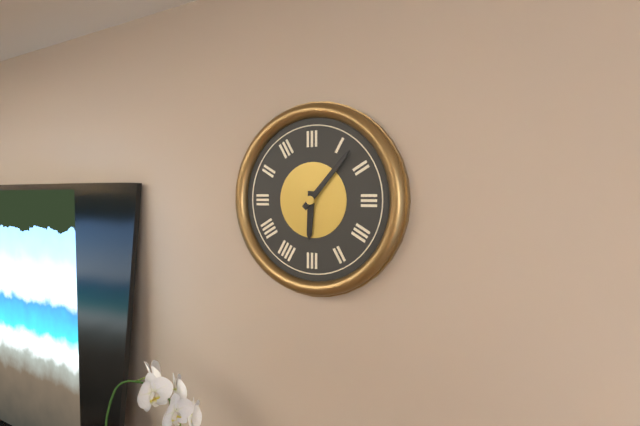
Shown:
h=6 m=7
